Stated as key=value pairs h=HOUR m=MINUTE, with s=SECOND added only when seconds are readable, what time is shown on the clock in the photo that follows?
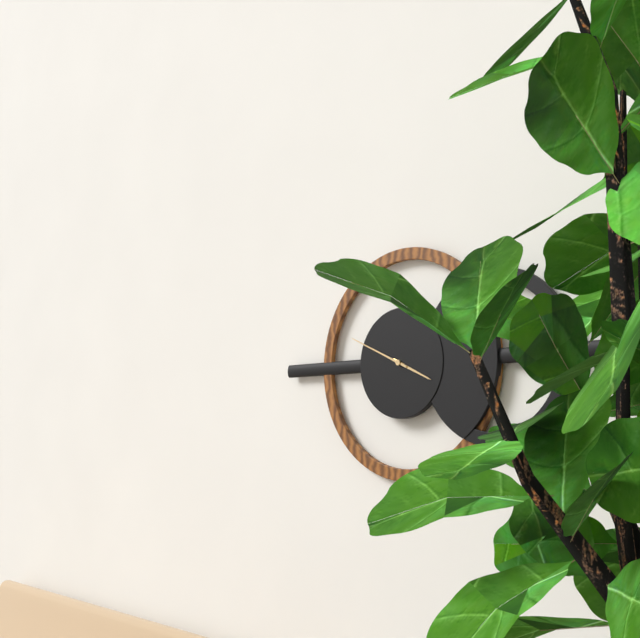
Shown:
h=3 m=49
